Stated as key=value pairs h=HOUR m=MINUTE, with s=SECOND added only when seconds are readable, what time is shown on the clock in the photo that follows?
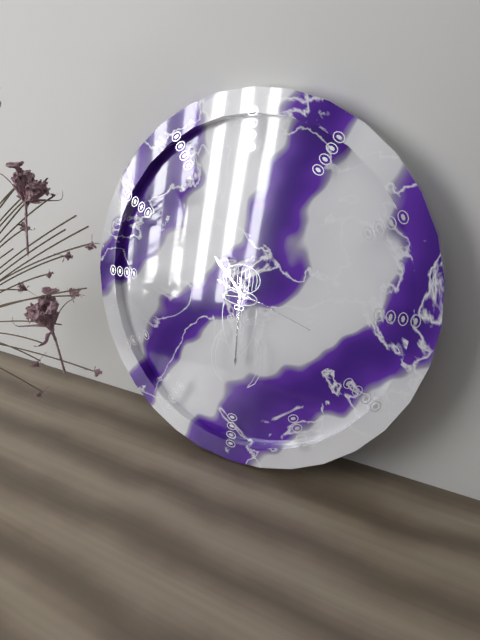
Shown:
h=10 m=30 s=18
